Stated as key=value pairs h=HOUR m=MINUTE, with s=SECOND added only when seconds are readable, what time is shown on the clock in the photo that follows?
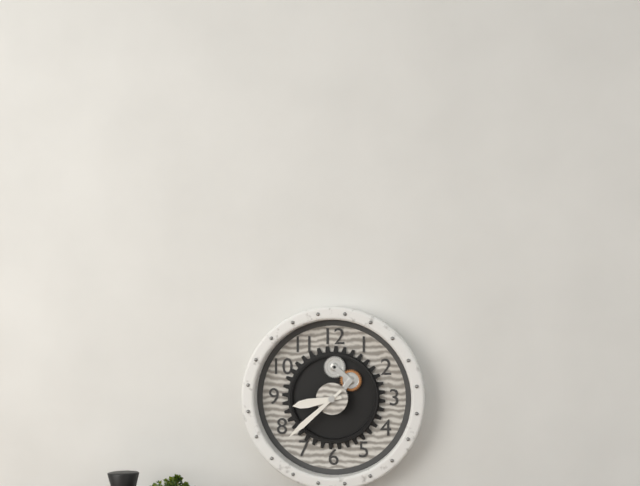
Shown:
h=8 m=38
